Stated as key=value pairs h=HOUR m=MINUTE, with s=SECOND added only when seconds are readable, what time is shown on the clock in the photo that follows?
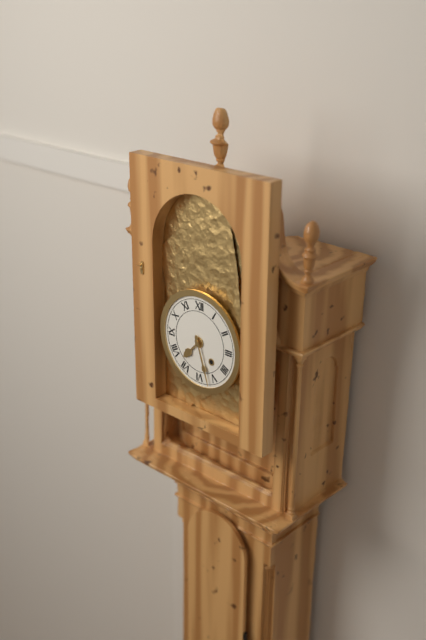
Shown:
h=7 m=27
